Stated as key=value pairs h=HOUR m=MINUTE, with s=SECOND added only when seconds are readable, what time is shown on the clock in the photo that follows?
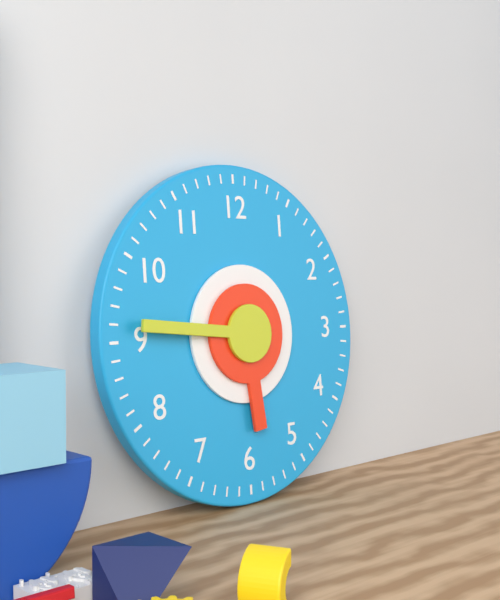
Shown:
h=5 m=46
